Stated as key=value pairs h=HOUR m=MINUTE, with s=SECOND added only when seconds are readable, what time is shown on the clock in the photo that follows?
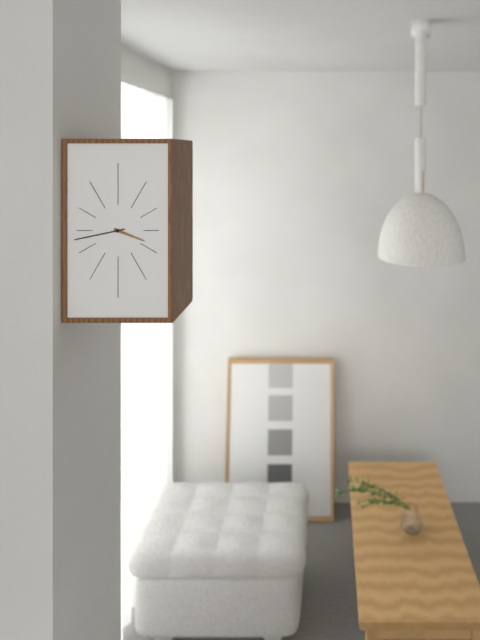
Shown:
h=3 m=43
